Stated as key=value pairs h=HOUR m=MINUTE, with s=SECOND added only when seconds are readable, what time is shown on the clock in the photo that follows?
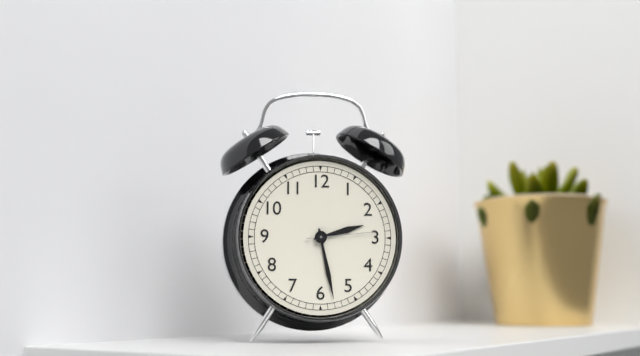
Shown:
h=2 m=28 s=14
